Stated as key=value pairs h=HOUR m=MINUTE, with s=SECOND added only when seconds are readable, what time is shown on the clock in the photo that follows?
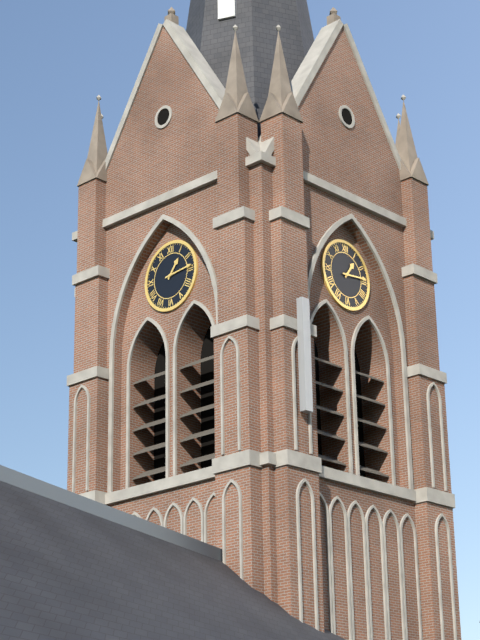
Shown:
h=1 m=14
